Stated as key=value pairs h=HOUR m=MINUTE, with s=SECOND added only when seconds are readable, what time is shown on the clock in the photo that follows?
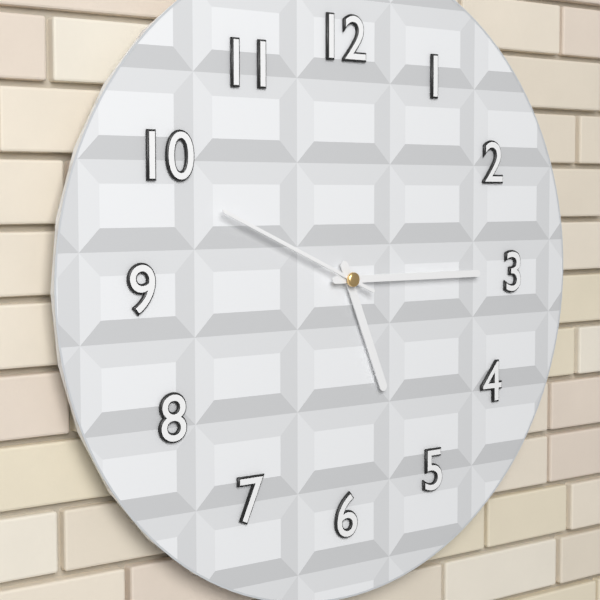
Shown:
h=5 m=15 s=49
